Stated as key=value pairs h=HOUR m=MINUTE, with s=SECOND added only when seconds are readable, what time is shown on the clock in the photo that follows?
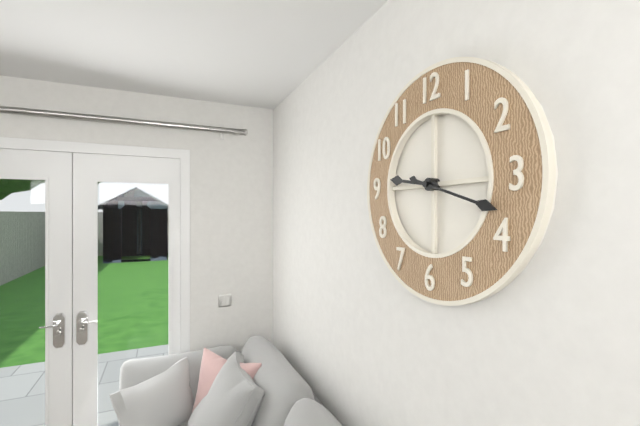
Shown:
h=9 m=18
